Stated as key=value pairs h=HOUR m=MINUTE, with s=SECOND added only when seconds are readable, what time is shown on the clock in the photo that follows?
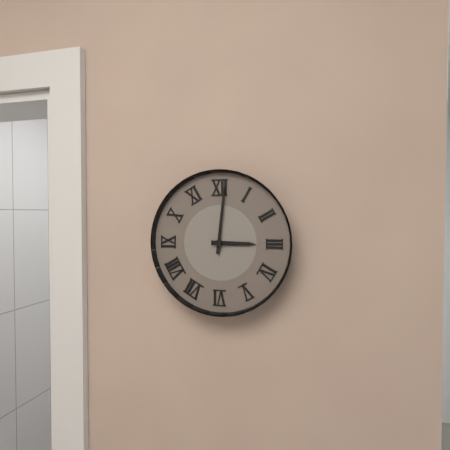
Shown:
h=3 m=1
